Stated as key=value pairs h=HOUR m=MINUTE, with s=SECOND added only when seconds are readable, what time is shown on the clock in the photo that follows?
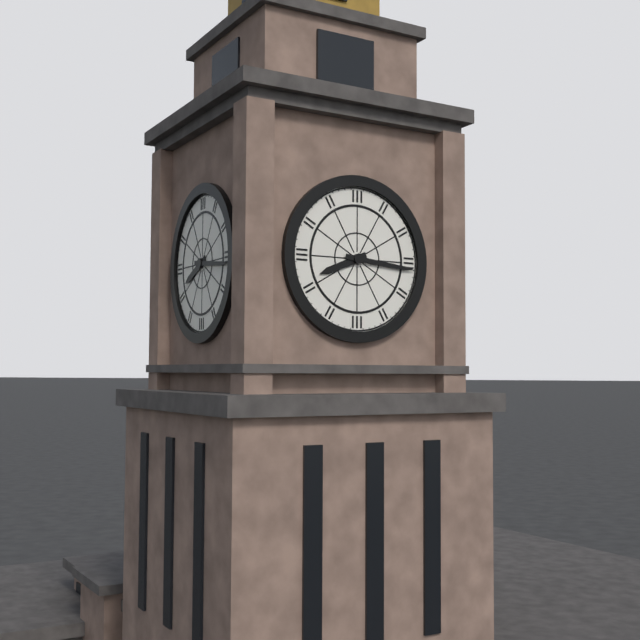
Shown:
h=8 m=16
